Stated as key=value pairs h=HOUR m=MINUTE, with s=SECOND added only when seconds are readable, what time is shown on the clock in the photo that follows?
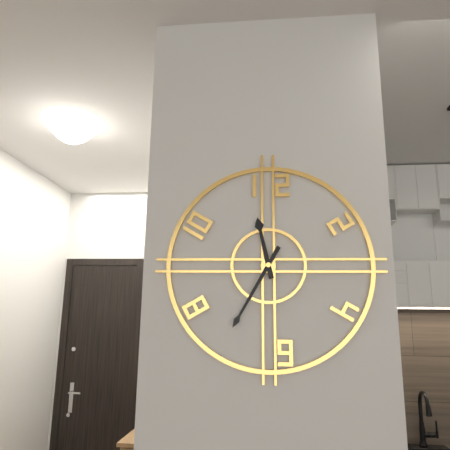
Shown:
h=11 m=35
